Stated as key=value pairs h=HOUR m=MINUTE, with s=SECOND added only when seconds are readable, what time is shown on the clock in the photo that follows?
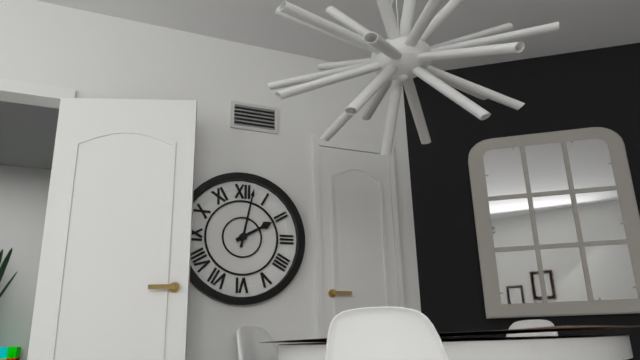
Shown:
h=2 m=2
